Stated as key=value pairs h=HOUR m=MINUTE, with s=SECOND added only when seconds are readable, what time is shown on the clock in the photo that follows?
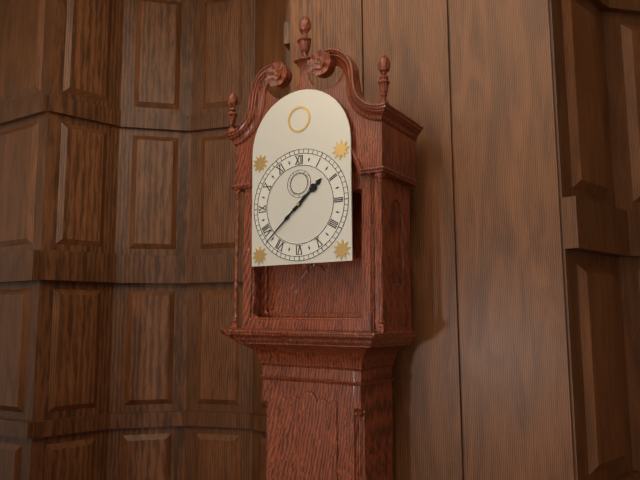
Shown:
h=1 m=38
